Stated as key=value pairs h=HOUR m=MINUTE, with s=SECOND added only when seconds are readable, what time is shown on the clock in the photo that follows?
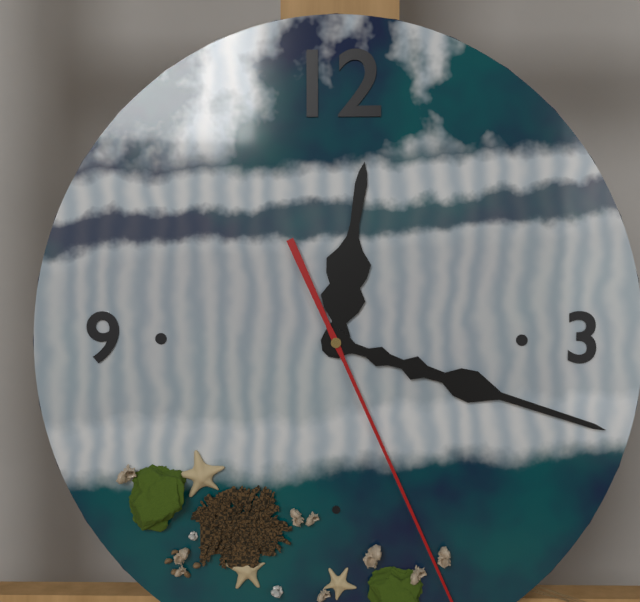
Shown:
h=12 m=18
